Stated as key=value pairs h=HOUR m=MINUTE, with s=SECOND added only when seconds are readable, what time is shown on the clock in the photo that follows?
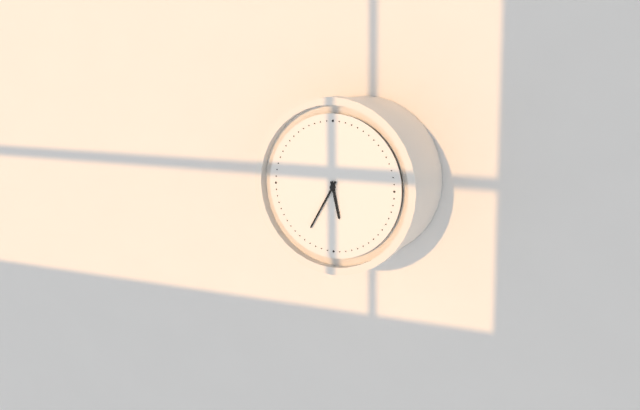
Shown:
h=5 m=35
